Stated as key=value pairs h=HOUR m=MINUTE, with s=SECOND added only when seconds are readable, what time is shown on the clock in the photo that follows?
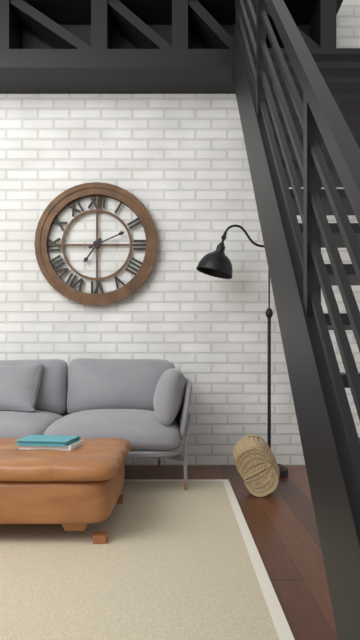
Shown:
h=7 m=11
